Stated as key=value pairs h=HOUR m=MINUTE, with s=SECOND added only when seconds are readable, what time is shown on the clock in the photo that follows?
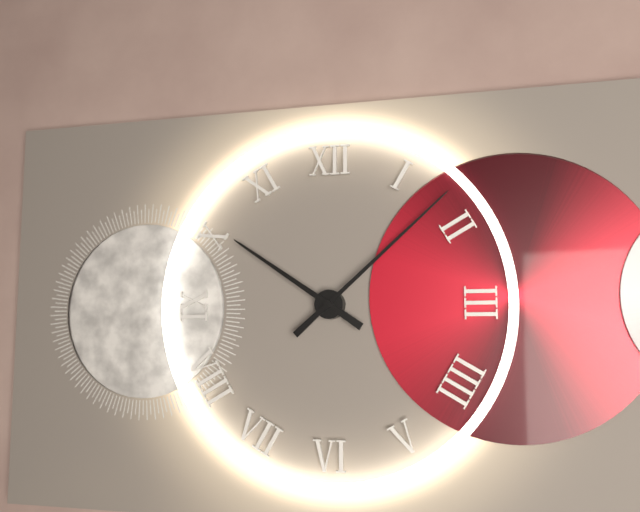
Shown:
h=10 m=8
